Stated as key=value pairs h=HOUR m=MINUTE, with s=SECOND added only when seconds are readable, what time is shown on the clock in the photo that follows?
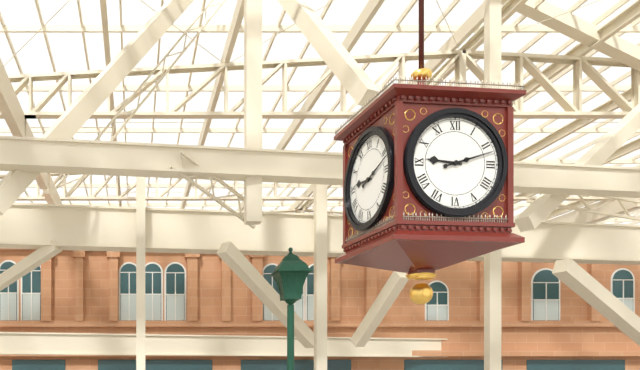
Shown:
h=9 m=12
